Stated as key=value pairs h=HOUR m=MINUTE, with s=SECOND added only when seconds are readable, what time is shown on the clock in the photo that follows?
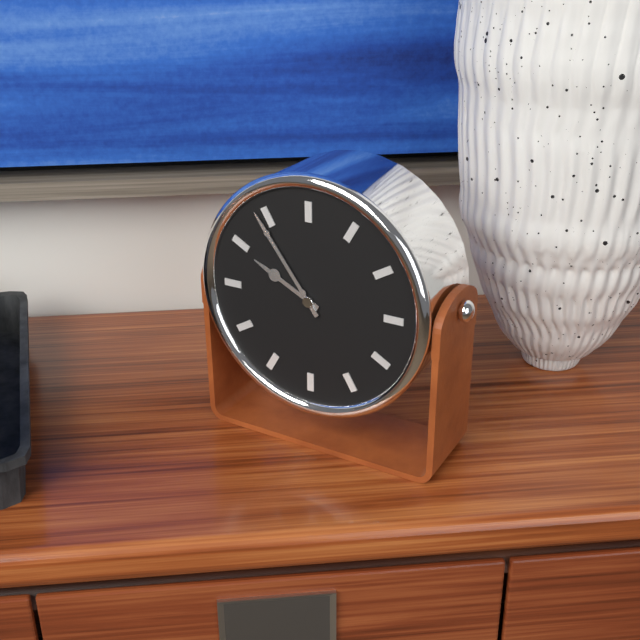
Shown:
h=9 m=54
